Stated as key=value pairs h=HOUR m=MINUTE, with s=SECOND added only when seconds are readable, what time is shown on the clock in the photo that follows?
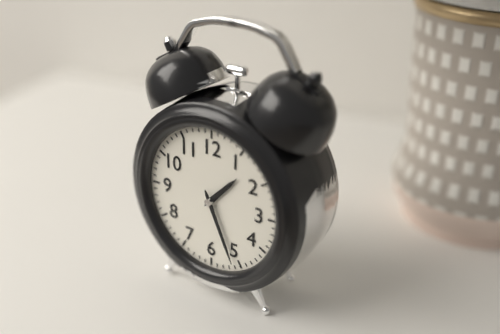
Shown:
h=1 m=26
